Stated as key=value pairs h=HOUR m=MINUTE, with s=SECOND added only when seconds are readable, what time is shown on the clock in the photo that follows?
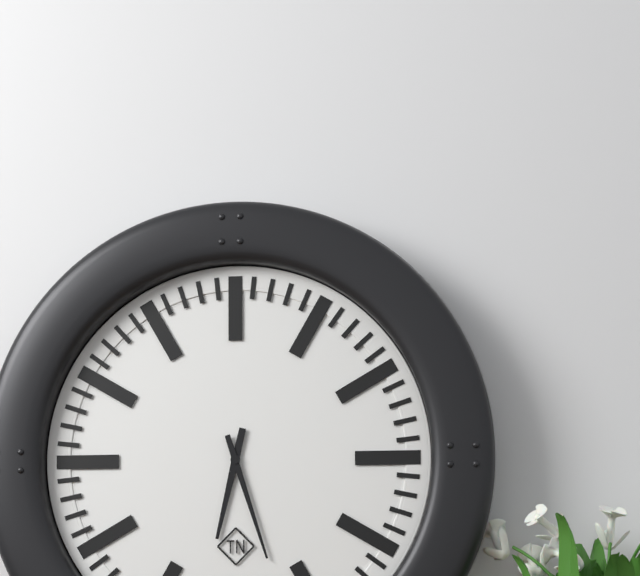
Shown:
h=6 m=27
